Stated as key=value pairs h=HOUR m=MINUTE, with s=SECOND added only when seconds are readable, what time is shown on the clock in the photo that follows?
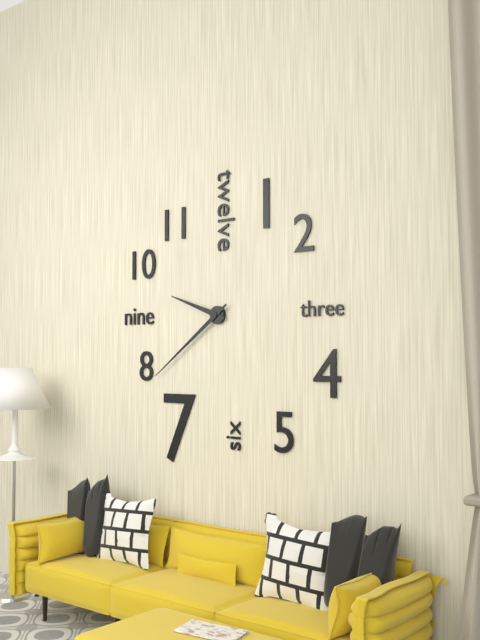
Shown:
h=9 m=39
